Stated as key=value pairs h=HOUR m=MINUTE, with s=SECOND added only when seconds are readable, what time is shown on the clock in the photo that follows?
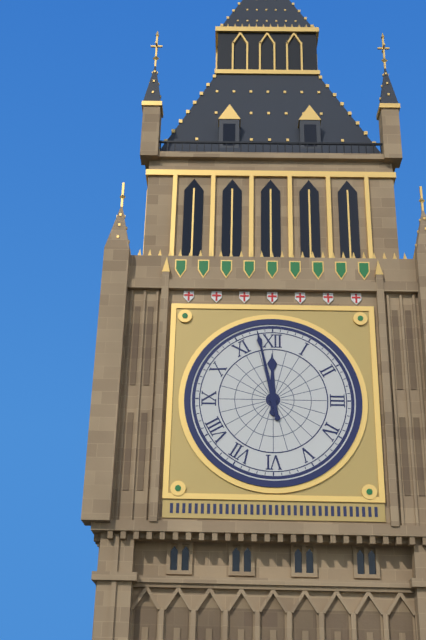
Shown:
h=11 m=58
